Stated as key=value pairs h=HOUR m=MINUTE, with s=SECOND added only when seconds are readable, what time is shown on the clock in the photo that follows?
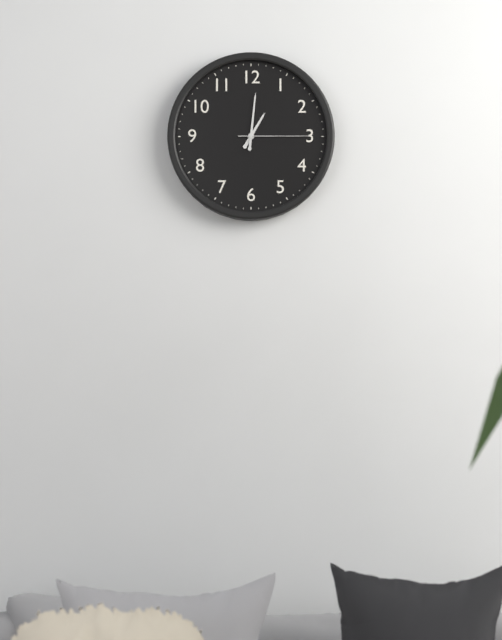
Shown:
h=1 m=1 s=15
